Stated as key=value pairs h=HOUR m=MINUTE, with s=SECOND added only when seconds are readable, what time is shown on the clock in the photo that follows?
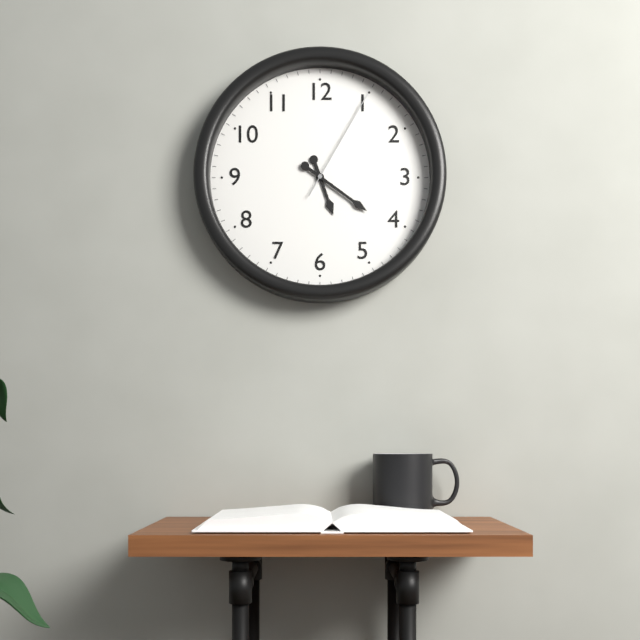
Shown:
h=5 m=21 s=5
